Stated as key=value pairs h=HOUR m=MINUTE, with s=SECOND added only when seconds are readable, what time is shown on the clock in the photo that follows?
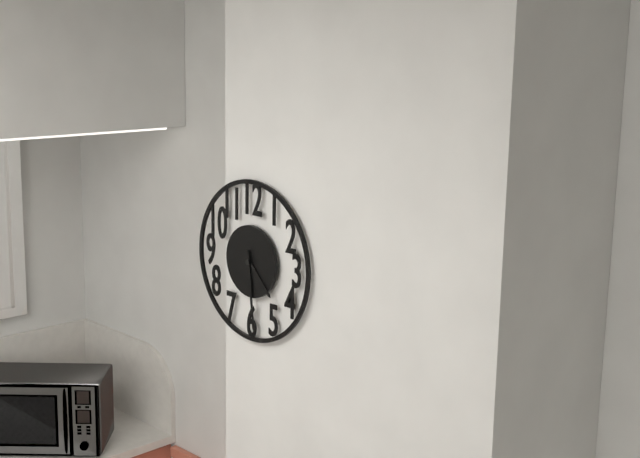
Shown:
h=4 m=29
